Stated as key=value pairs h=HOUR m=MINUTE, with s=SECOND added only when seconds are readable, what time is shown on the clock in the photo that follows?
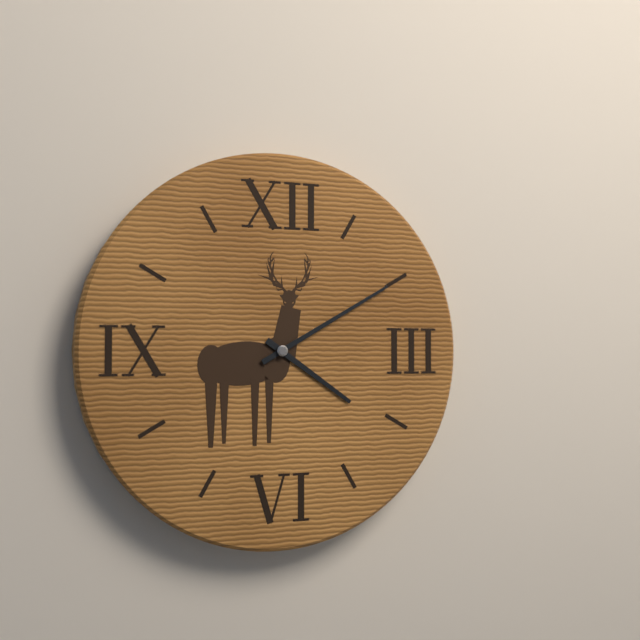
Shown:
h=4 m=10
